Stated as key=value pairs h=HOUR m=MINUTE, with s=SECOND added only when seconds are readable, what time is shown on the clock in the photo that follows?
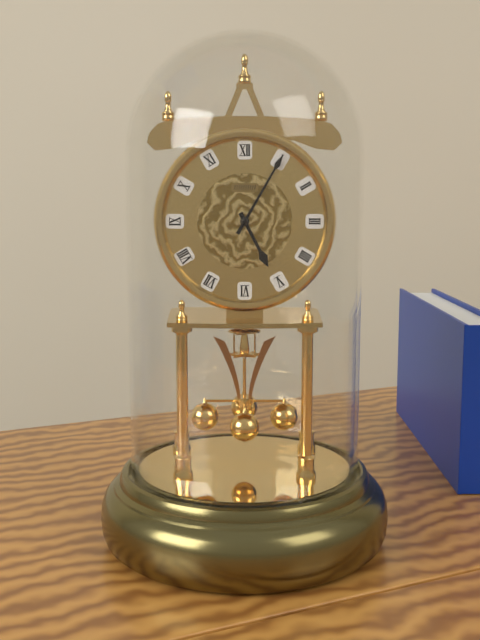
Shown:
h=5 m=5
